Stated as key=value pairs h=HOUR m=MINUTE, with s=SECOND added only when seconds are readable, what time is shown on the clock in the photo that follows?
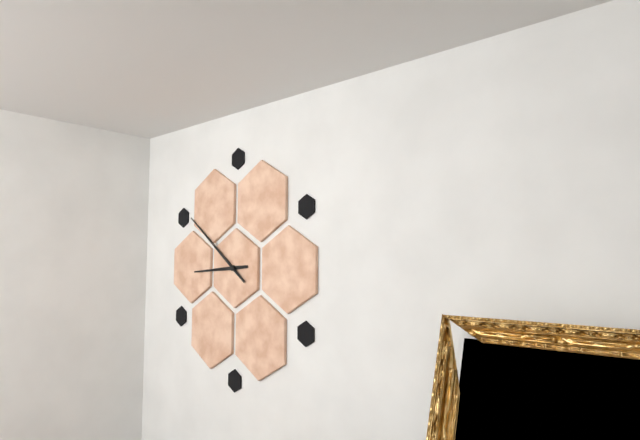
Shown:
h=8 m=51
